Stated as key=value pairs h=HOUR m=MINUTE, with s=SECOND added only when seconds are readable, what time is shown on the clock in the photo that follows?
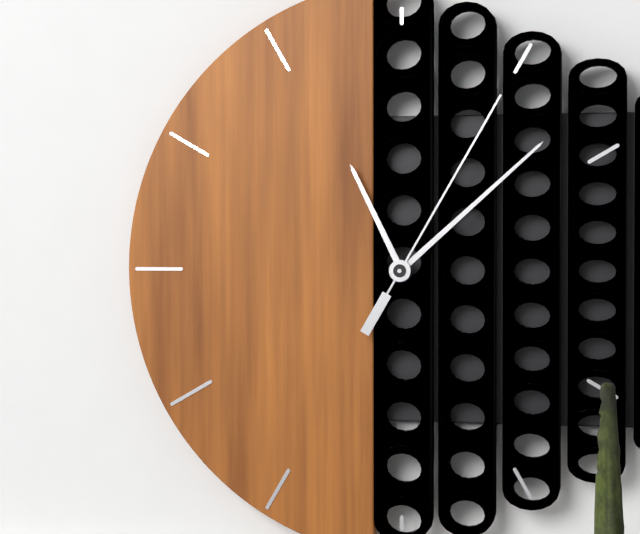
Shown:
h=11 m=8 s=5
